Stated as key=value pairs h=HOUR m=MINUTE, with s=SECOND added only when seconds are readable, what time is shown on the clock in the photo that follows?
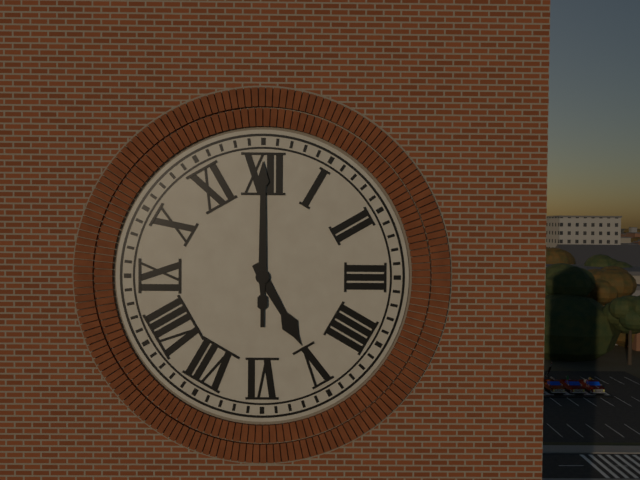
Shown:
h=5 m=0
